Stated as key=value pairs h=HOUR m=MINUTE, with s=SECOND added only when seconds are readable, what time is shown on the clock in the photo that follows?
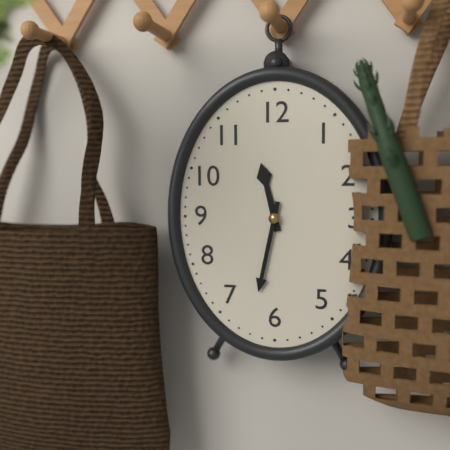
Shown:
h=11 m=32
